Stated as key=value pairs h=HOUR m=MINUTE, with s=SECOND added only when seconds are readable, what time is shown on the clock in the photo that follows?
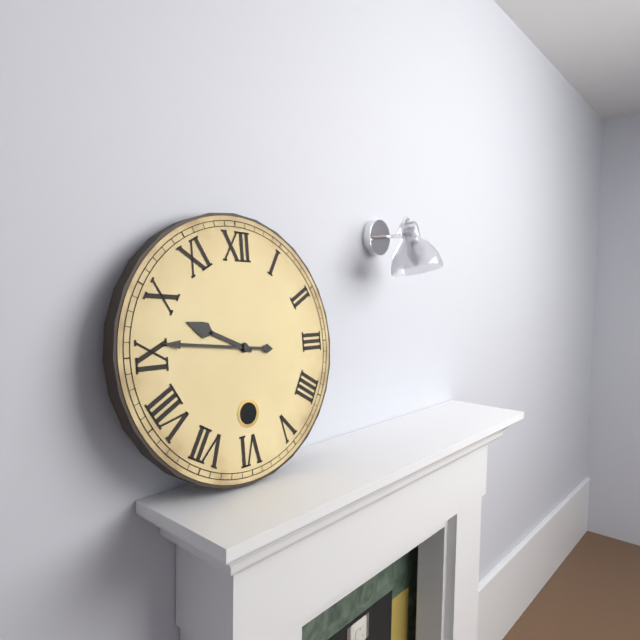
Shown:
h=9 m=46
